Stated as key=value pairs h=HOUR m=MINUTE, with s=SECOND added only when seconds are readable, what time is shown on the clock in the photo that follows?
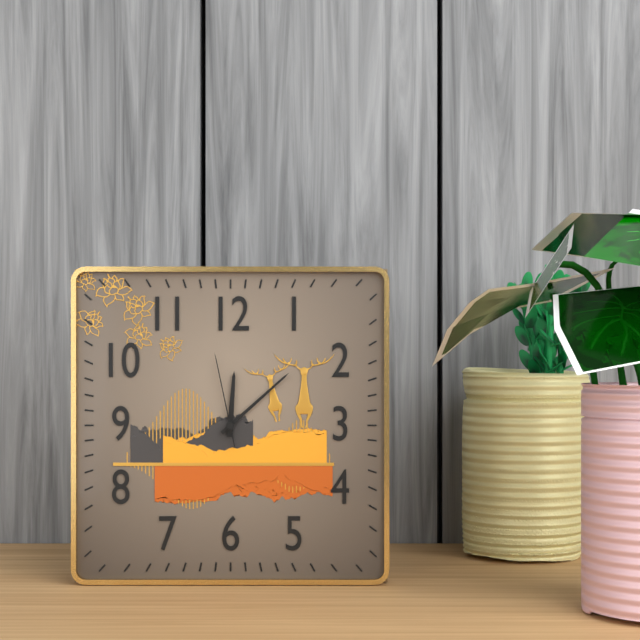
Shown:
h=12 m=8 s=58
